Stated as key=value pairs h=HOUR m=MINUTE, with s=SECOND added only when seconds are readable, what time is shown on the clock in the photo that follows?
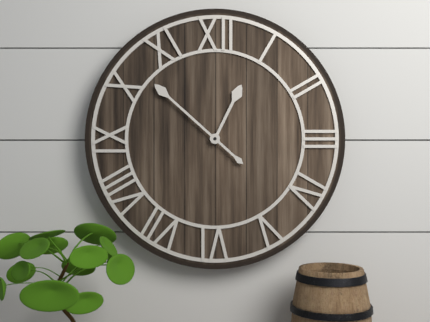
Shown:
h=12 m=52
